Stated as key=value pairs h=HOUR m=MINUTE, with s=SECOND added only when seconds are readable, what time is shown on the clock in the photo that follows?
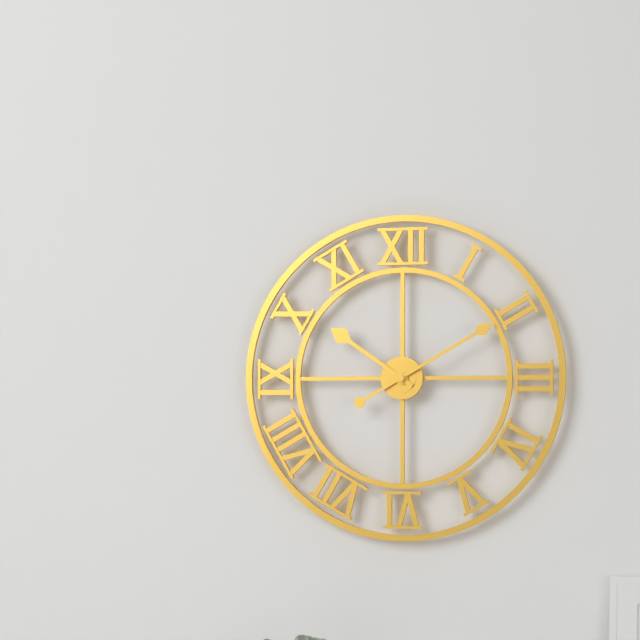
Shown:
h=10 m=10
